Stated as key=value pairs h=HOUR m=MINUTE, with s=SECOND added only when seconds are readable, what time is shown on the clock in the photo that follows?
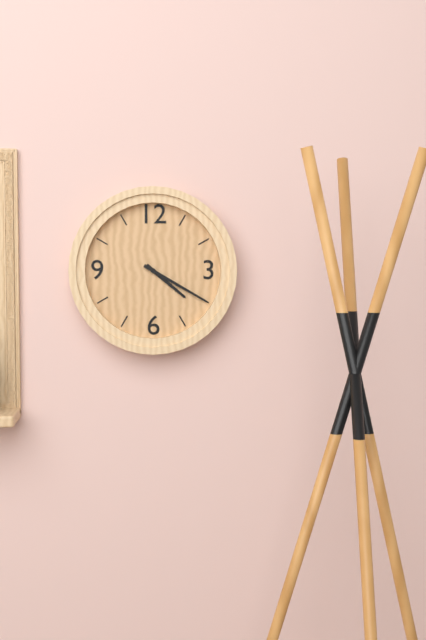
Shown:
h=4 m=20
